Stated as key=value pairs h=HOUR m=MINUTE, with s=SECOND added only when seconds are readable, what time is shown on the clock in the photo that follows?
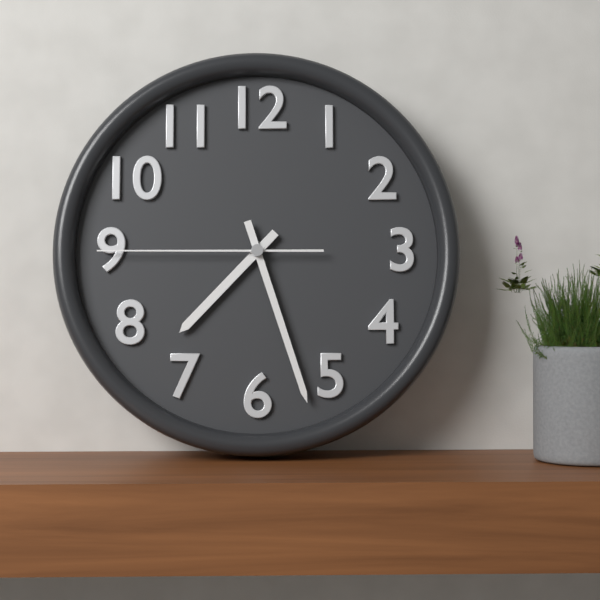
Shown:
h=7 m=27 s=45
